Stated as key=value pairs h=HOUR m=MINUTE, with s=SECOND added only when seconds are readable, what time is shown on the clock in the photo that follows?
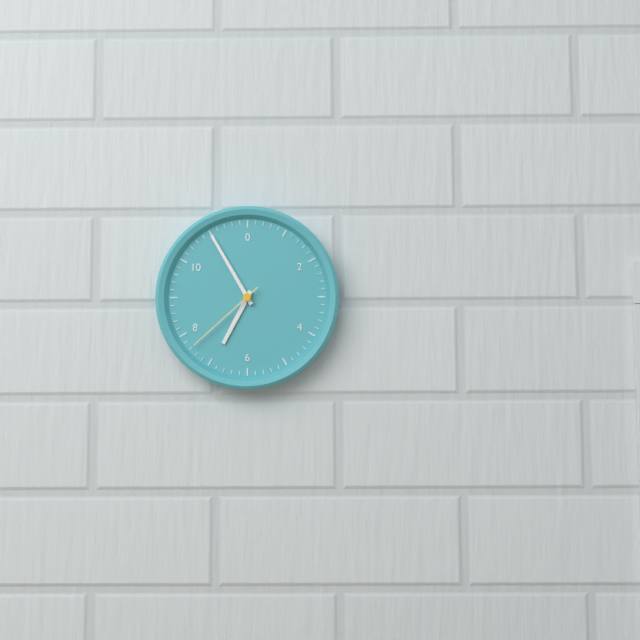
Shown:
h=6 m=55 s=38
